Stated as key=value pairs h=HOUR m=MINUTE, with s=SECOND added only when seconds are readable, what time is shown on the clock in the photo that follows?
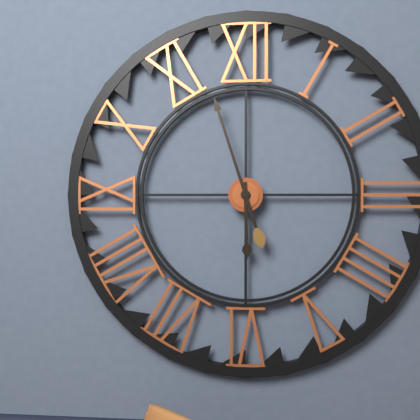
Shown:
h=5 m=57
